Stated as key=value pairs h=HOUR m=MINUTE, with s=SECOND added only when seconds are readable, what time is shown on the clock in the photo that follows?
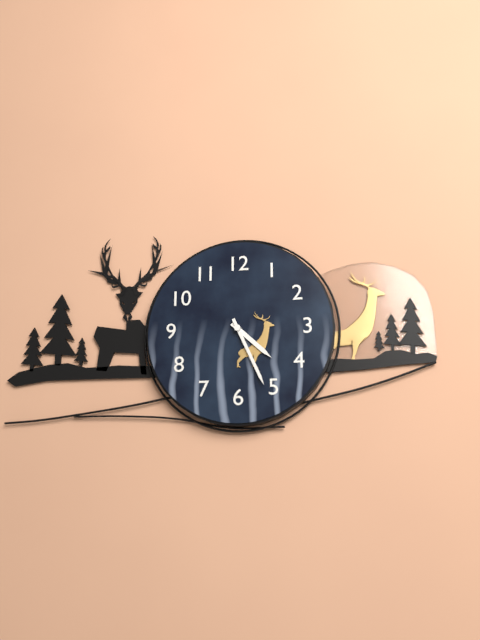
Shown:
h=4 m=26
